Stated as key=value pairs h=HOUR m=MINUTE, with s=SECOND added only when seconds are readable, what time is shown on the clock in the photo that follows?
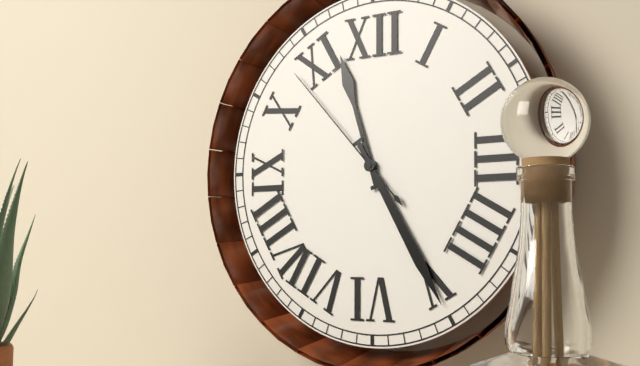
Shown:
h=11 m=25 s=53
